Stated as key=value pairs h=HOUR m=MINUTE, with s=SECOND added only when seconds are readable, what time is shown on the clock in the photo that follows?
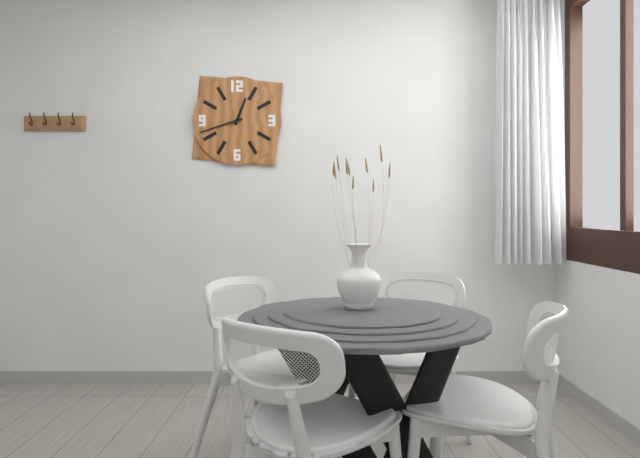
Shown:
h=12 m=42
